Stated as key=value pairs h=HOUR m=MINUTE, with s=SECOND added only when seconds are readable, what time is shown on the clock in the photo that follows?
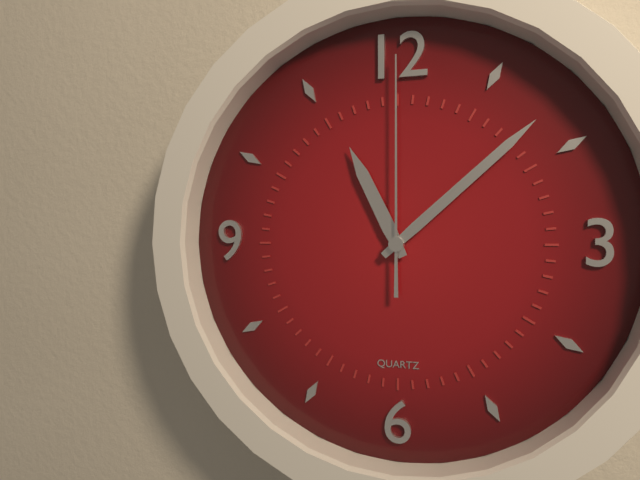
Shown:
h=11 m=8 s=0
